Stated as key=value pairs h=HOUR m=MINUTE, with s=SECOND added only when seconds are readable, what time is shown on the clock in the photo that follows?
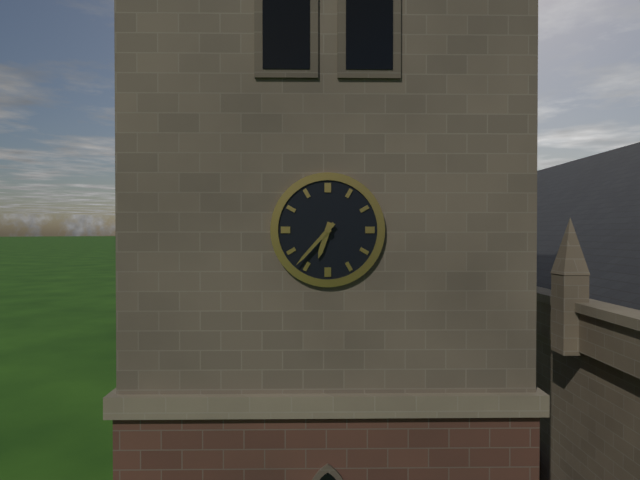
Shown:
h=6 m=37
